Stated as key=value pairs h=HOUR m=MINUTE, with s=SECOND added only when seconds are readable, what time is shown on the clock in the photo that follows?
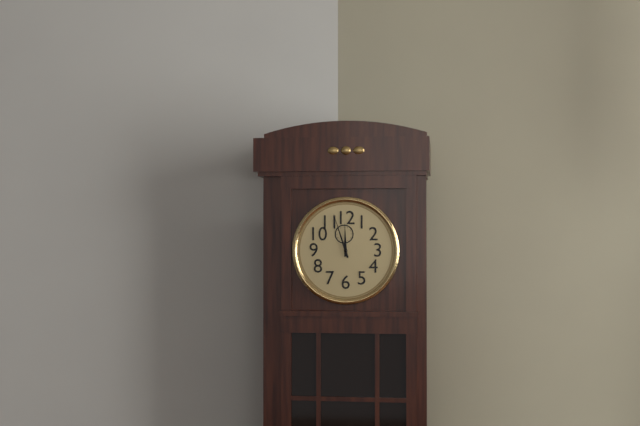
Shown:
h=11 m=57
